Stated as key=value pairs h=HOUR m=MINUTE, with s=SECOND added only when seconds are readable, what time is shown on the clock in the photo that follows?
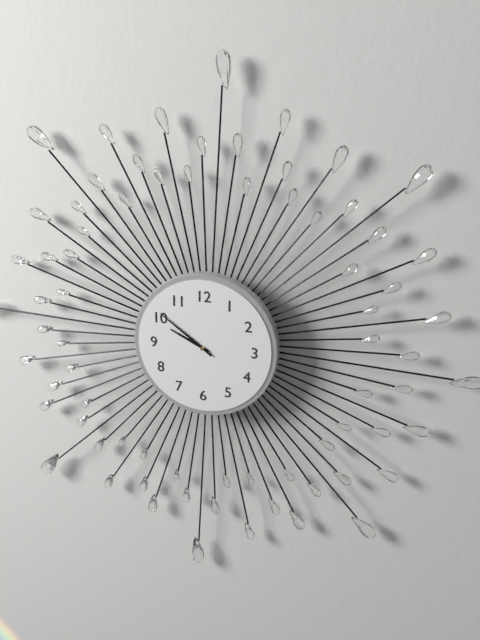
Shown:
h=9 m=51
